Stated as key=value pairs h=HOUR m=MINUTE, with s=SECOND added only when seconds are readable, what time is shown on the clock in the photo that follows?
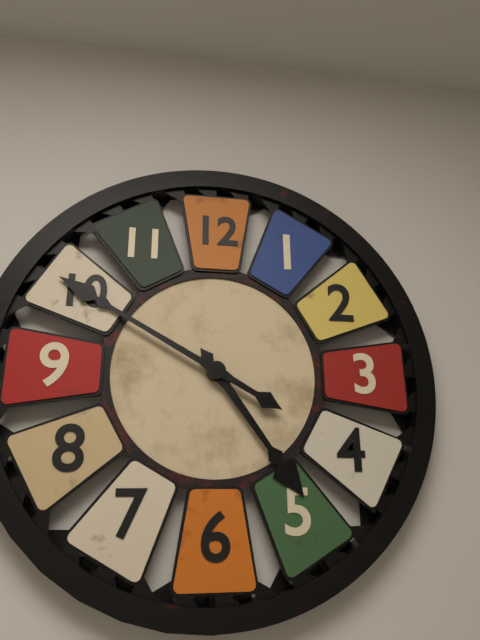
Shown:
h=4 m=50
